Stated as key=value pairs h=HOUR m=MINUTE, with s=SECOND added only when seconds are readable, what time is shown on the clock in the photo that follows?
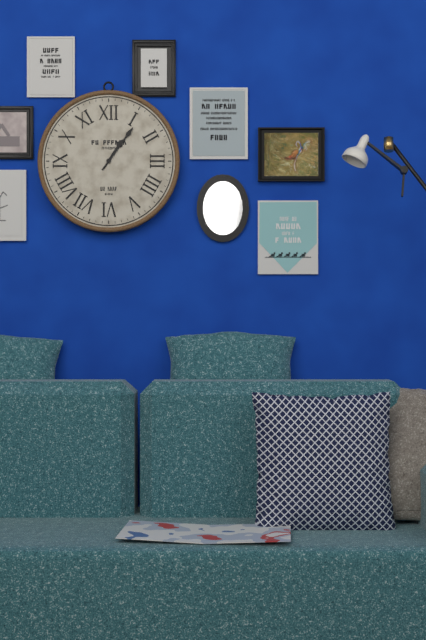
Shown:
h=1 m=6
